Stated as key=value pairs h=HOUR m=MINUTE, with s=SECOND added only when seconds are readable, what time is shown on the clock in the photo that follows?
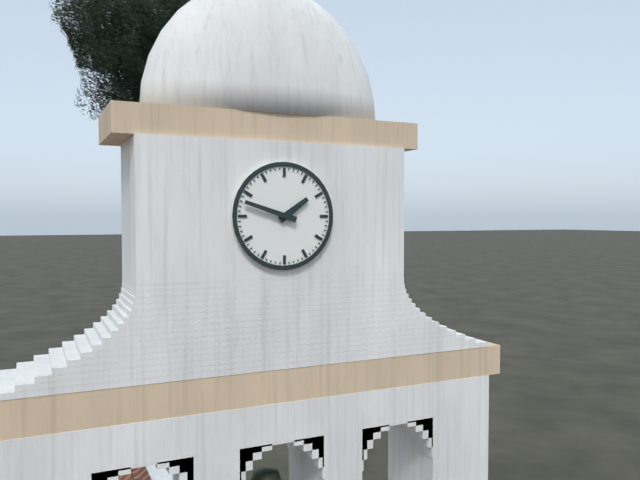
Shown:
h=1 m=48
